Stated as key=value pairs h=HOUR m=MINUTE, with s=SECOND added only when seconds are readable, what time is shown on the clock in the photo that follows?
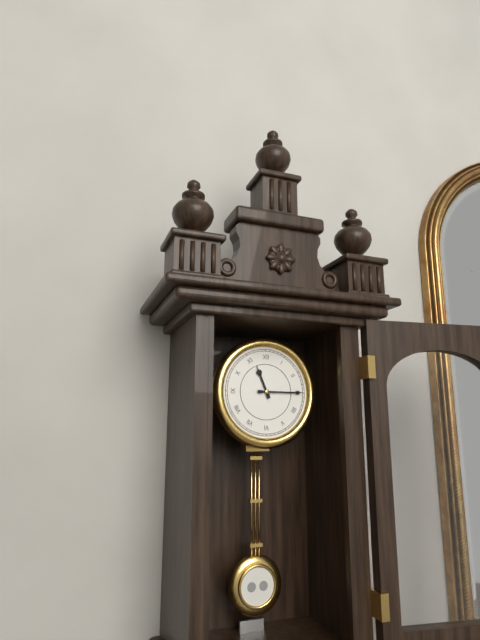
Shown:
h=11 m=15
